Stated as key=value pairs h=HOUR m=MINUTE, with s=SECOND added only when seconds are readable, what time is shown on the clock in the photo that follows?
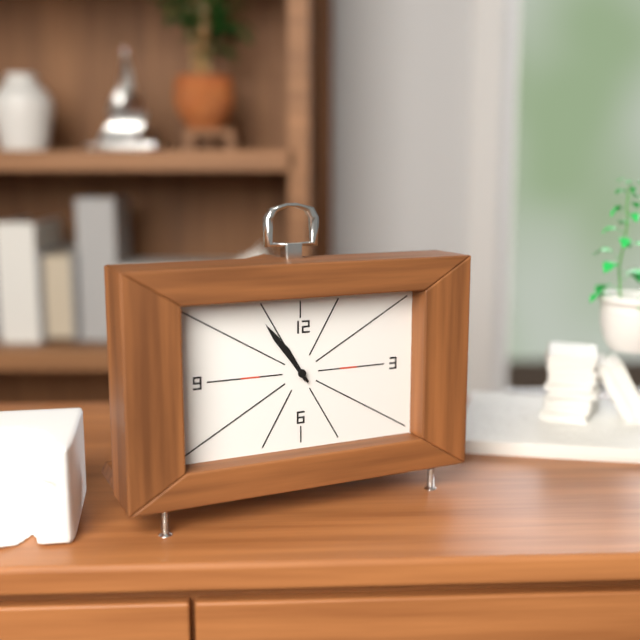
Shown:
h=10 m=54
